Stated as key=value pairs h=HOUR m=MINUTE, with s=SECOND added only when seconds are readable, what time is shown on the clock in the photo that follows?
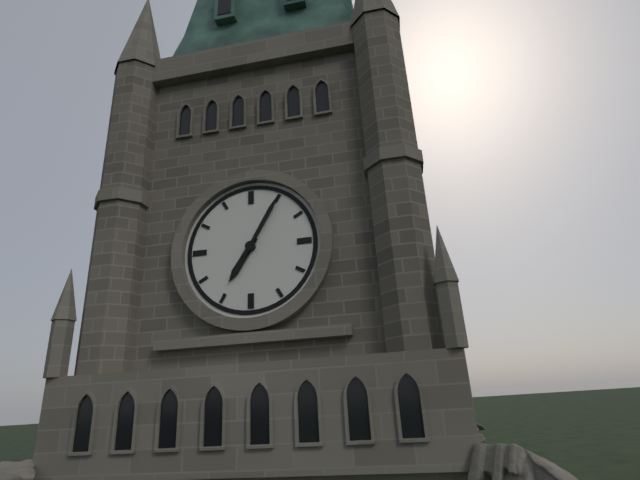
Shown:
h=7 m=5
